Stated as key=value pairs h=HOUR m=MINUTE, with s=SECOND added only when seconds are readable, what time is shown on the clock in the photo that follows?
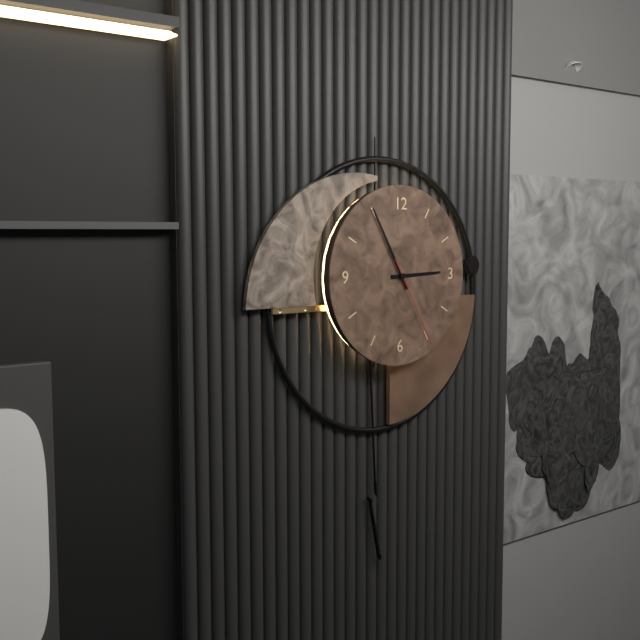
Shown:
h=2 m=55 s=25
